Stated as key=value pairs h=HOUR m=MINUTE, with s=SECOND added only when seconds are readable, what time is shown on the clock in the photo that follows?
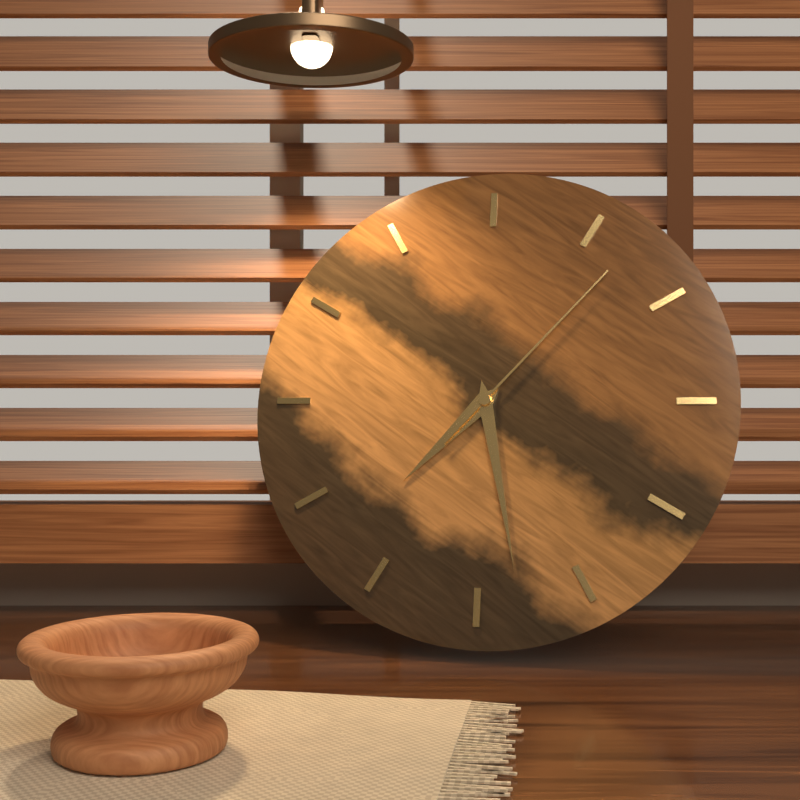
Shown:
h=7 m=28 s=7
